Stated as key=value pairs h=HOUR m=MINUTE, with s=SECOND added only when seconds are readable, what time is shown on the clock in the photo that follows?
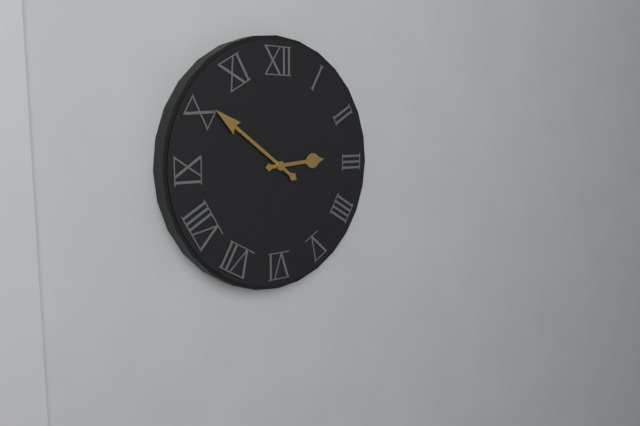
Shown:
h=2 m=51
